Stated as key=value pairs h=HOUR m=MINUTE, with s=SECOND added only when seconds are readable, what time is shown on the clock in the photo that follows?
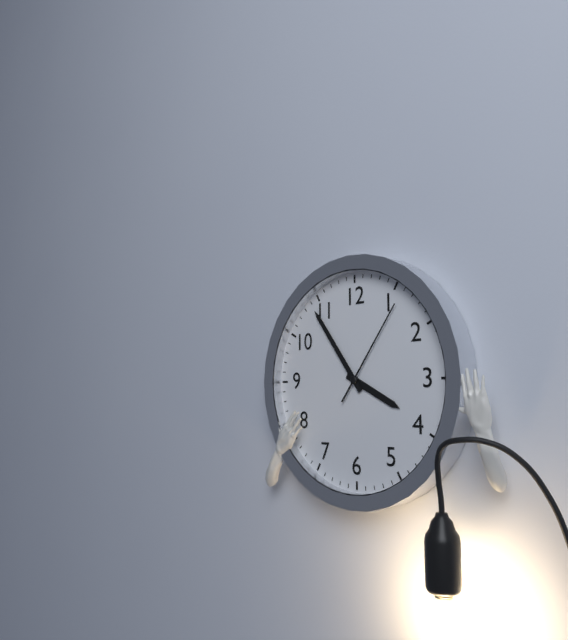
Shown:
h=3 m=54 s=6
